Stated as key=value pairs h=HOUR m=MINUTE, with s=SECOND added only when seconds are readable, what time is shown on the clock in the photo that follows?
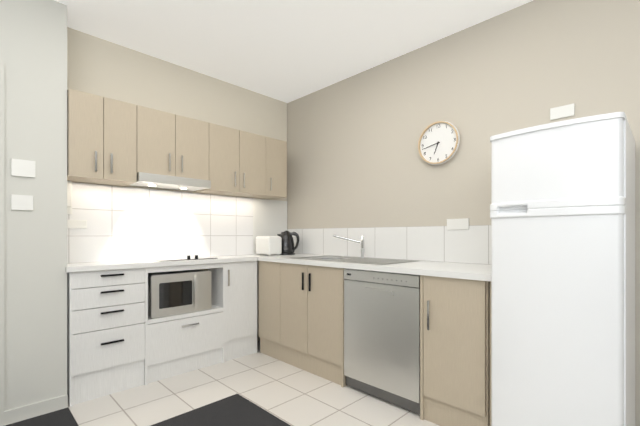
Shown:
h=6 m=43
